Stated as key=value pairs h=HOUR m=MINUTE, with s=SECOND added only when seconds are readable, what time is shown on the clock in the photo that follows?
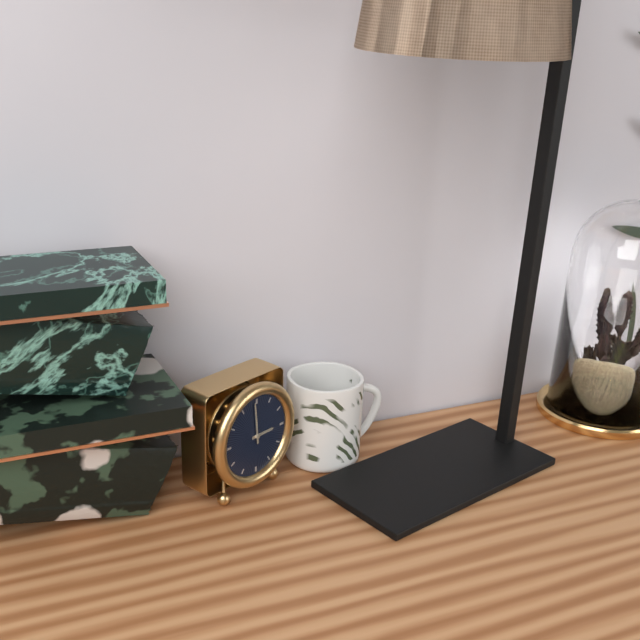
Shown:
h=2 m=59
